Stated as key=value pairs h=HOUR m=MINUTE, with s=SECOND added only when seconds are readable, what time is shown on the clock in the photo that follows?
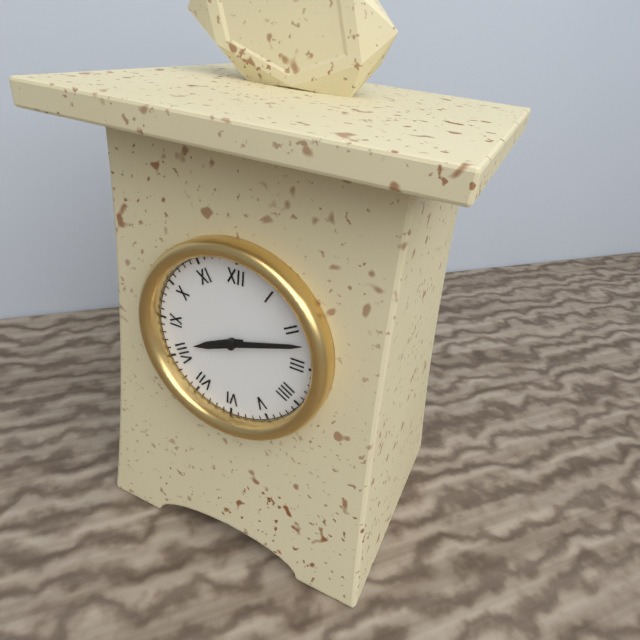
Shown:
h=8 m=12
